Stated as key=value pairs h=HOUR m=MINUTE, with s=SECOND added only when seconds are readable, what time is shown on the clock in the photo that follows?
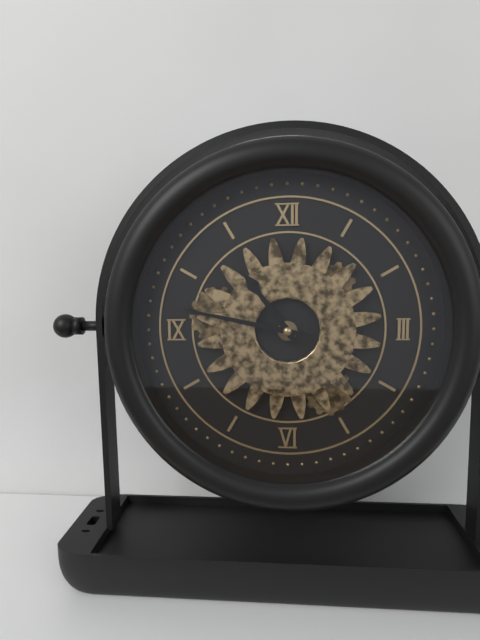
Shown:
h=10 m=47
